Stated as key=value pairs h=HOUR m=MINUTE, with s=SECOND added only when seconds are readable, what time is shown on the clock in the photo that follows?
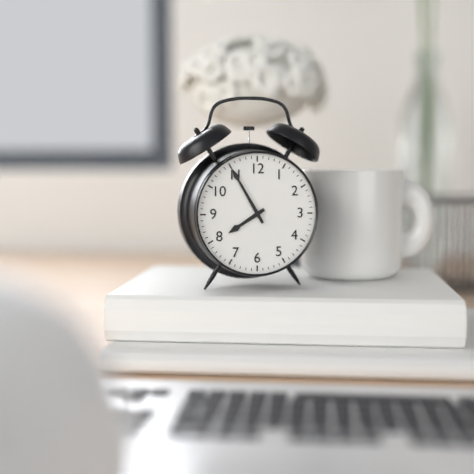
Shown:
h=7 m=55
